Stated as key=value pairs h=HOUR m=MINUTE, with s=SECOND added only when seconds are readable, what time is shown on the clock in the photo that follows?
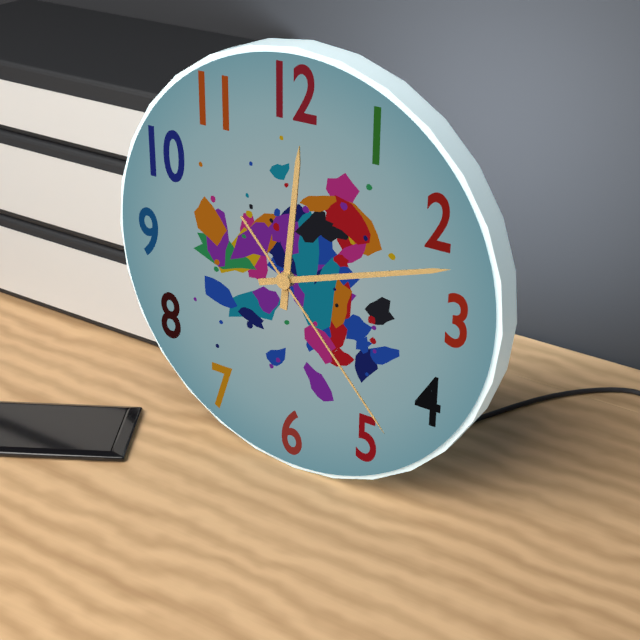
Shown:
h=12 m=12 s=23
